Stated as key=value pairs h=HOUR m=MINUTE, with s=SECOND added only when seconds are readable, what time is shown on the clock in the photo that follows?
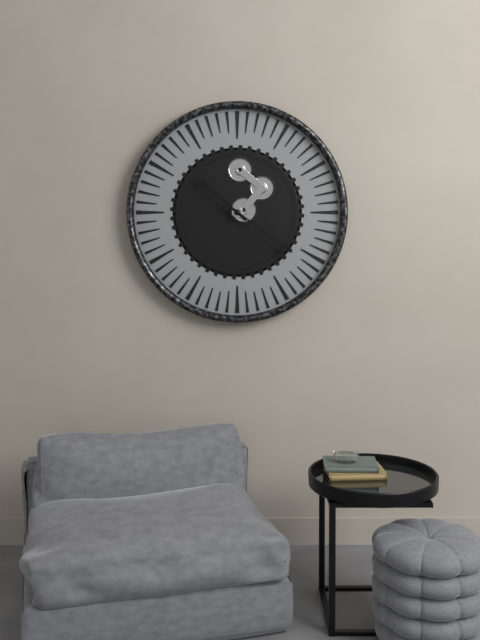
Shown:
h=10 m=21
